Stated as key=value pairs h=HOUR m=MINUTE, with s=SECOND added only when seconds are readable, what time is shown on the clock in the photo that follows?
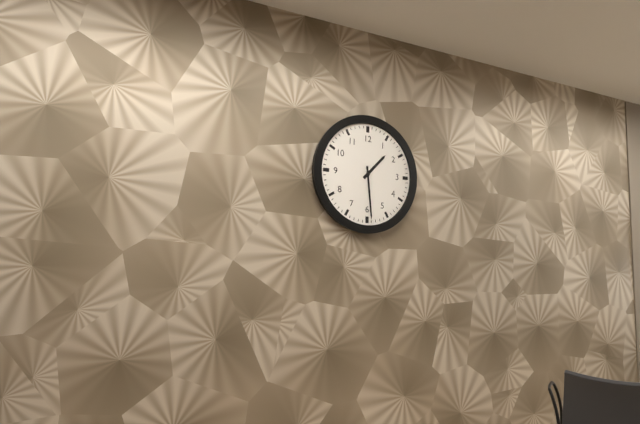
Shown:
h=1 m=29
